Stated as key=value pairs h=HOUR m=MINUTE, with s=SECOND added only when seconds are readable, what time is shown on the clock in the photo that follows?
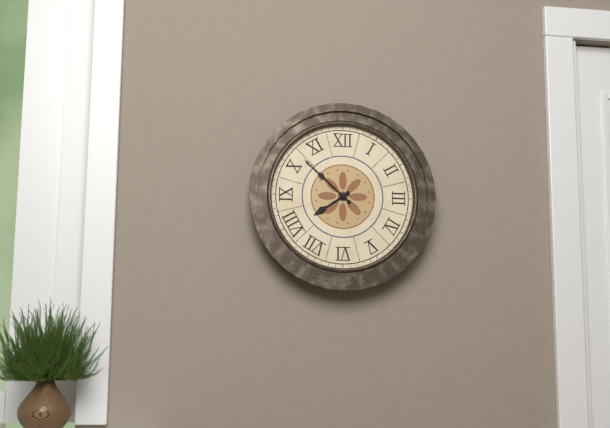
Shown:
h=7 m=52
